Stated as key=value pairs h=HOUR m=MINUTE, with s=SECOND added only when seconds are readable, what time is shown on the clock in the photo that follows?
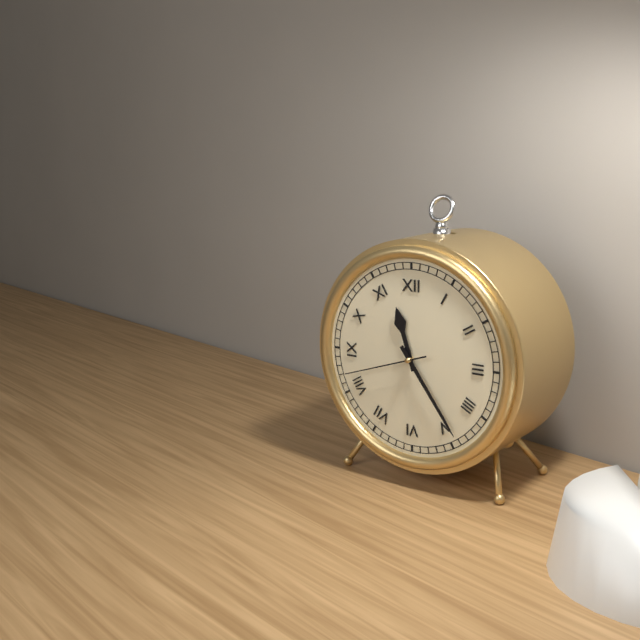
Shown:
h=11 m=24 s=42
